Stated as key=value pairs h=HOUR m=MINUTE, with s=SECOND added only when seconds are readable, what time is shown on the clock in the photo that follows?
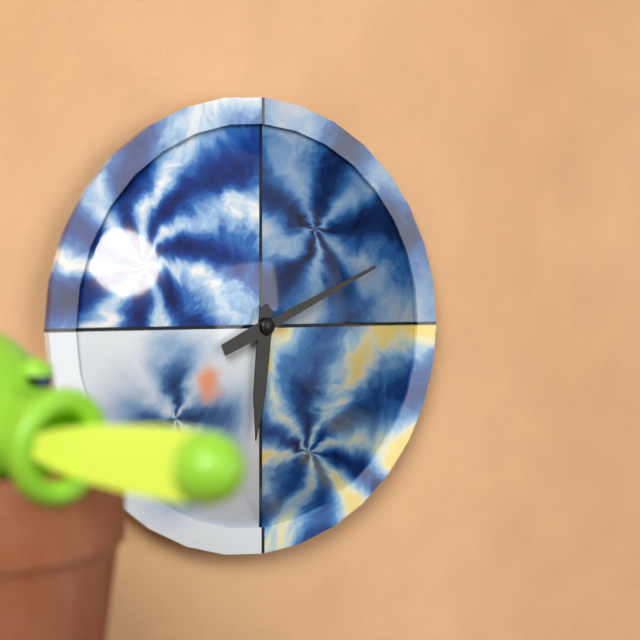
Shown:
h=6 m=11
